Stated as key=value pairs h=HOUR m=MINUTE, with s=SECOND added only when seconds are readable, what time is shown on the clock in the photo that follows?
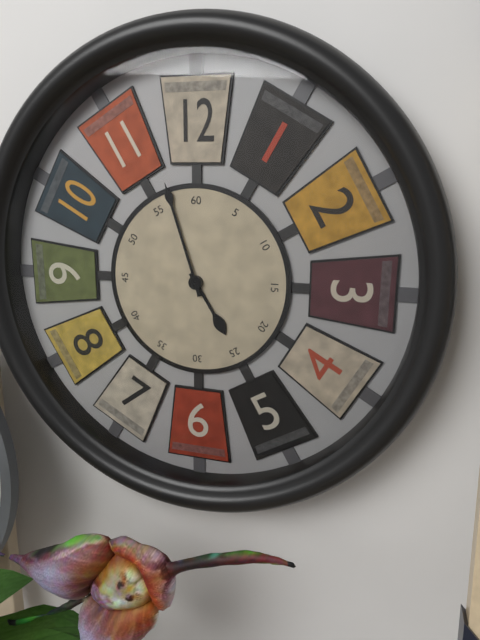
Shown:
h=4 m=57
